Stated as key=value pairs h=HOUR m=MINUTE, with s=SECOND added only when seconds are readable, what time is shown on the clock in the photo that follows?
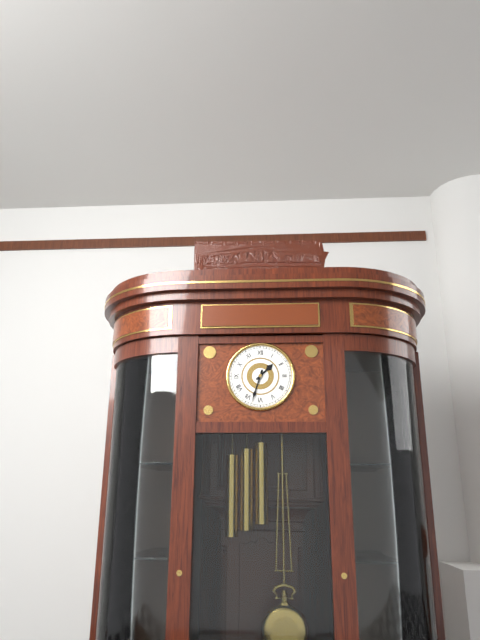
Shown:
h=1 m=33
